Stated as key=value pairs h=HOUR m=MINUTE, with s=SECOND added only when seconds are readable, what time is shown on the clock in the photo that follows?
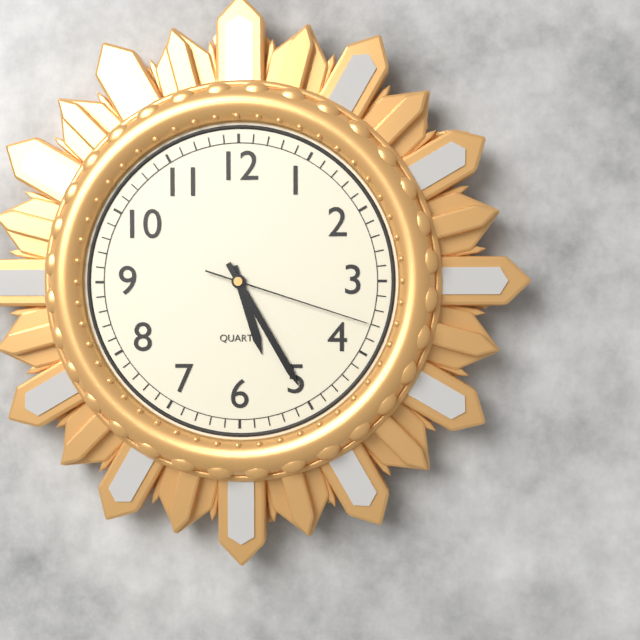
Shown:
h=5 m=25 s=18
